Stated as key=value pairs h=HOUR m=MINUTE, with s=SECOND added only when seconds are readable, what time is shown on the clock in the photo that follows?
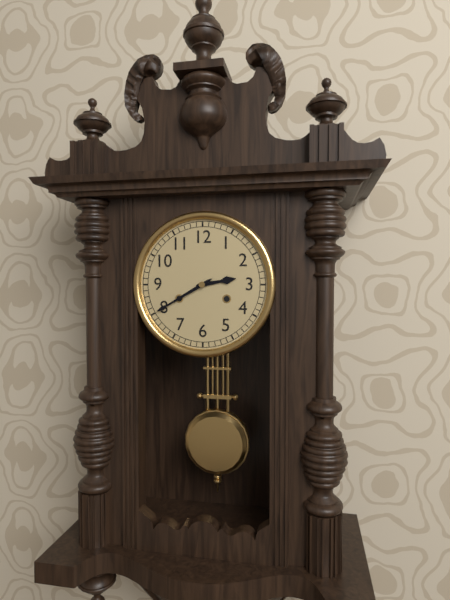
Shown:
h=2 m=40
